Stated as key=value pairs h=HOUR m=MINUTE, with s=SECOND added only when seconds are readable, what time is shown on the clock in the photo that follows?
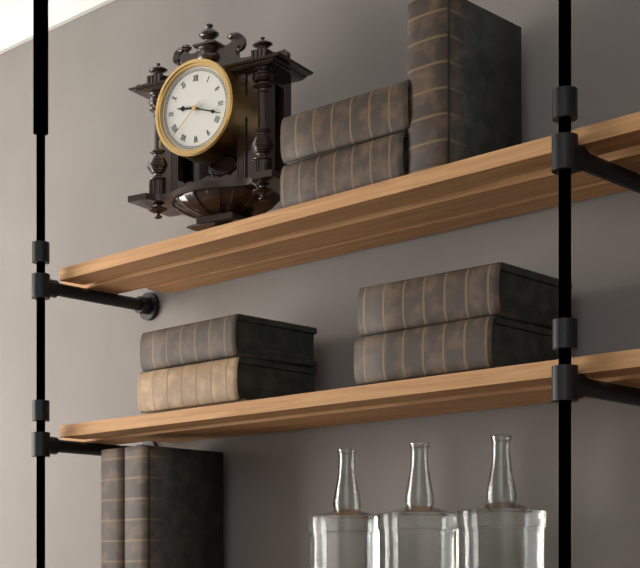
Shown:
h=9 m=18
